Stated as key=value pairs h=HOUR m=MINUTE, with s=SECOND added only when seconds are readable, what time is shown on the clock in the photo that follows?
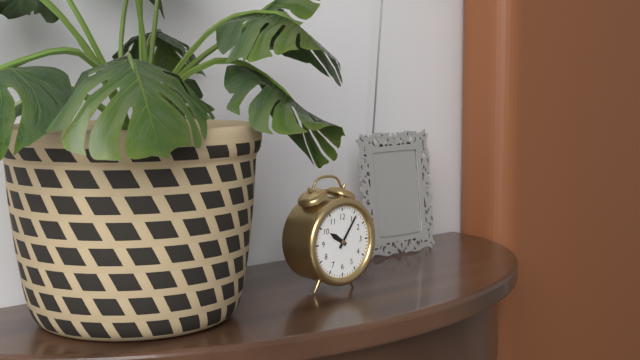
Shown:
h=10 m=6
